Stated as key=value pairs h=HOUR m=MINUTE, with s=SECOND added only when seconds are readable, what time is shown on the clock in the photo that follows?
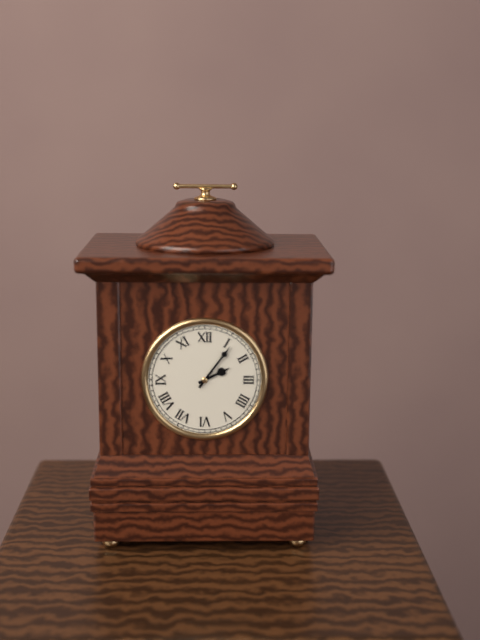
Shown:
h=2 m=6
